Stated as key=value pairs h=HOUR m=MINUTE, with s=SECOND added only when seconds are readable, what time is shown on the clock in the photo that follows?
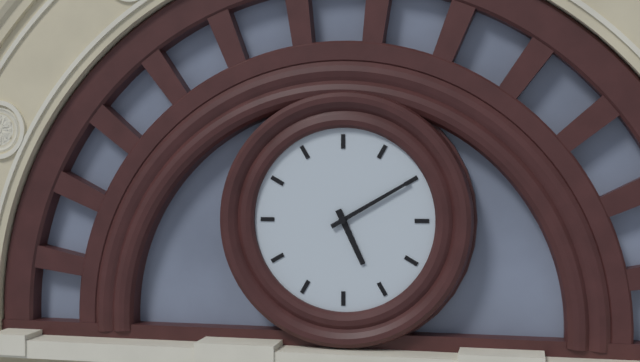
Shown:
h=5 m=10
